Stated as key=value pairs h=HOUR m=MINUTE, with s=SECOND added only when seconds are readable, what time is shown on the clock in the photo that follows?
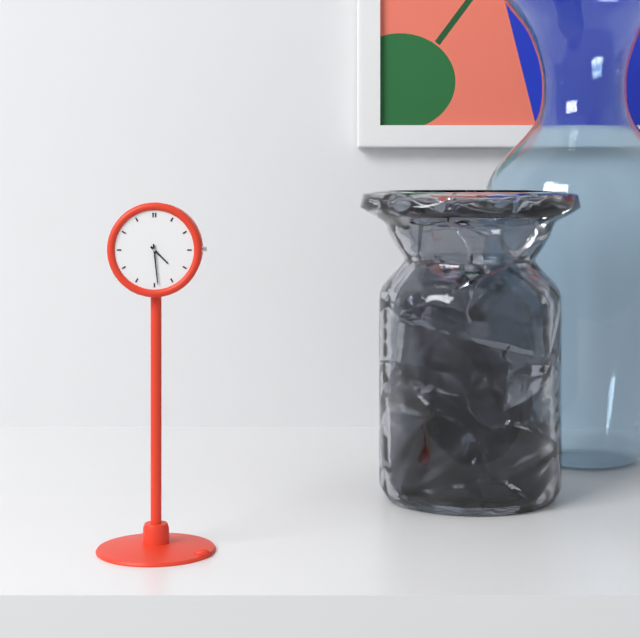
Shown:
h=4 m=29
